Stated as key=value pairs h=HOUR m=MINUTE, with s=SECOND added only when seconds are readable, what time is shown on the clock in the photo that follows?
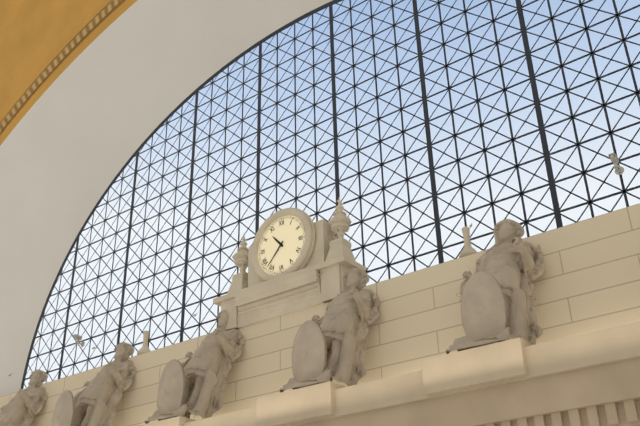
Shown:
h=10 m=37
